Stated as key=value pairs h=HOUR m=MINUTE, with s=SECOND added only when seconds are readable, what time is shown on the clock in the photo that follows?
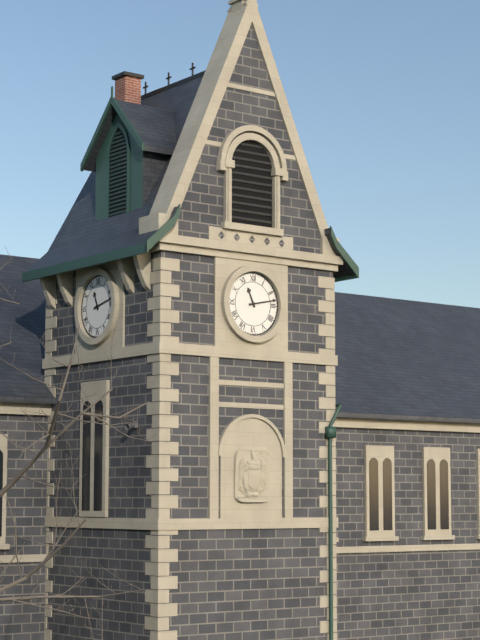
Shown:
h=11 m=13
